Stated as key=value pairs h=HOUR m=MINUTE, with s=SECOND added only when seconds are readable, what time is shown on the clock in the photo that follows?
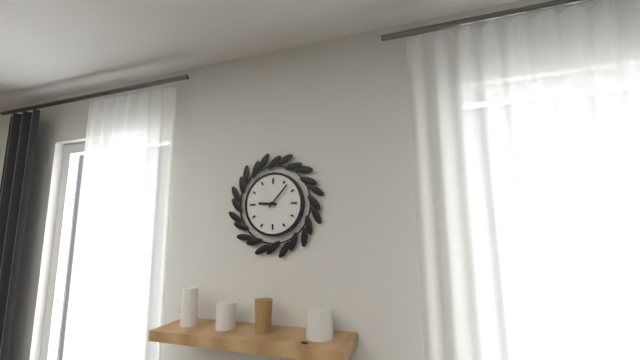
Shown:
h=9 m=7
